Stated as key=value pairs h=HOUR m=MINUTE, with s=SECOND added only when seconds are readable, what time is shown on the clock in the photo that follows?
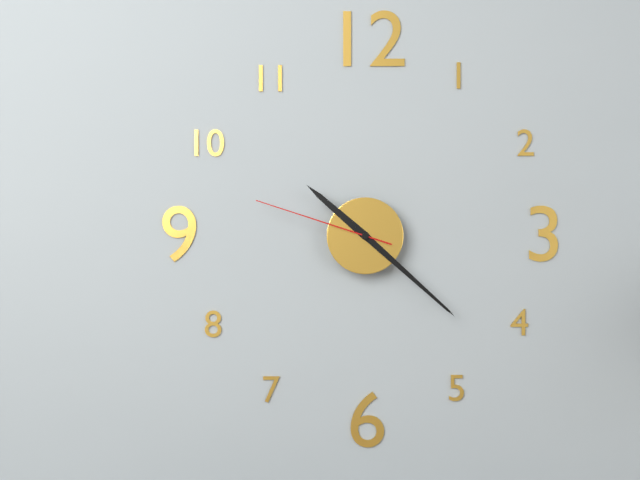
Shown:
h=10 m=22 s=48
